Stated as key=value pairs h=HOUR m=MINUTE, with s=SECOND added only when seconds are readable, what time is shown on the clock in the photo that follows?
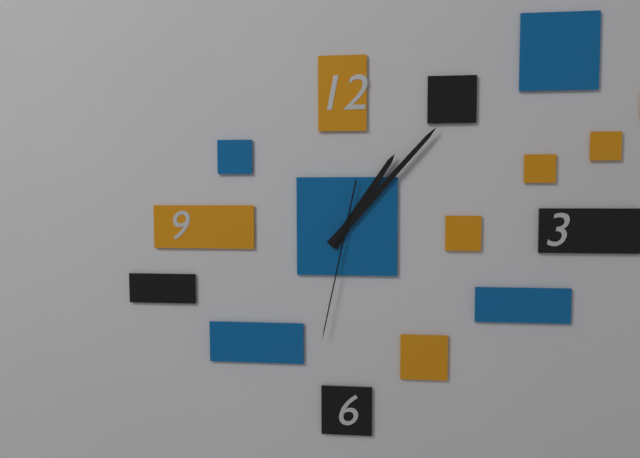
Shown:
h=1 m=7 s=32
